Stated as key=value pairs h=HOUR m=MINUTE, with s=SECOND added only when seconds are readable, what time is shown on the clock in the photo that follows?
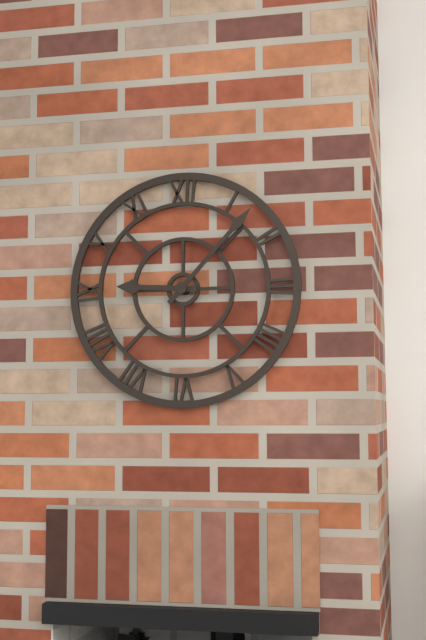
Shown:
h=9 m=7
